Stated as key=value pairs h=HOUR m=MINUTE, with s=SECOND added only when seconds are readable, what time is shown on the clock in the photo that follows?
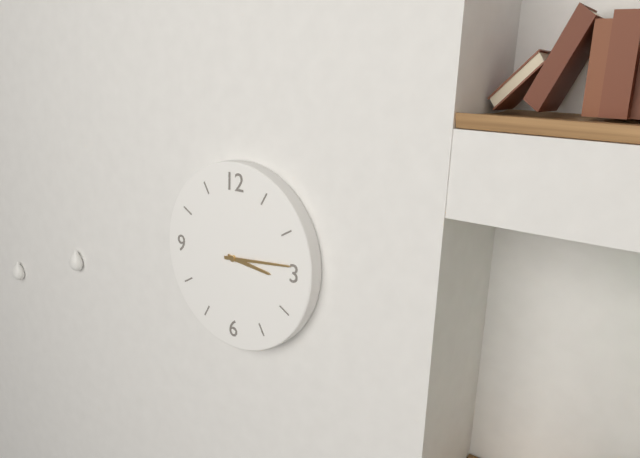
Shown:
h=3 m=14
